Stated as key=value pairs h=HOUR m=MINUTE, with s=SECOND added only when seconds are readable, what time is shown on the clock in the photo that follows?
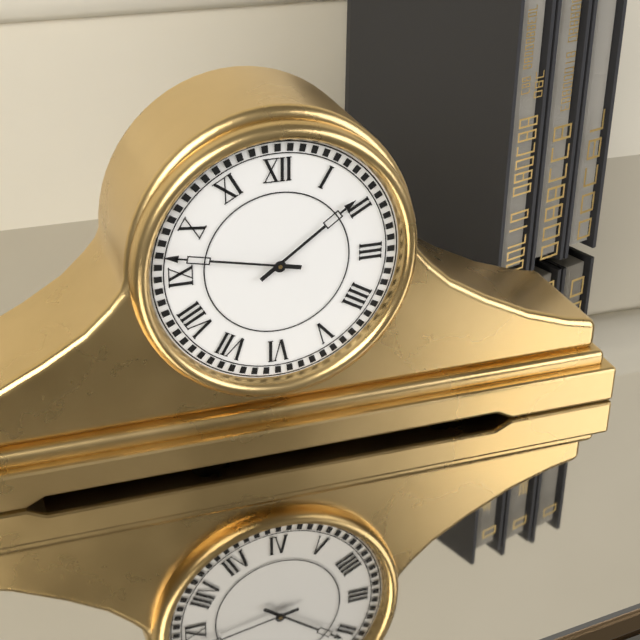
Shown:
h=1 m=47
